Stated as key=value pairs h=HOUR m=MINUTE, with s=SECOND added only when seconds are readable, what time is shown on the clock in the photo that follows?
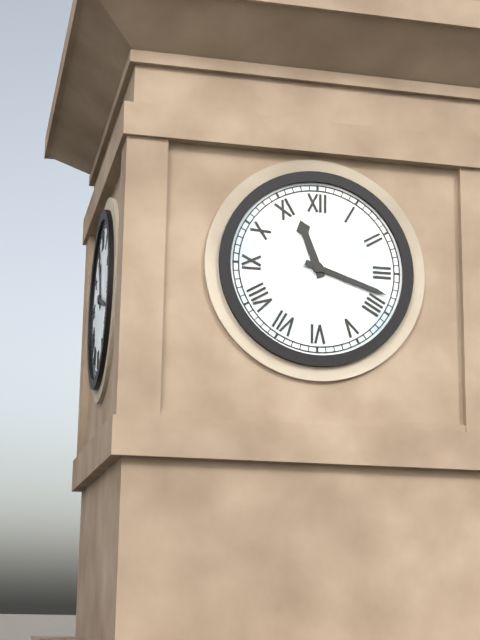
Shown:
h=11 m=18
